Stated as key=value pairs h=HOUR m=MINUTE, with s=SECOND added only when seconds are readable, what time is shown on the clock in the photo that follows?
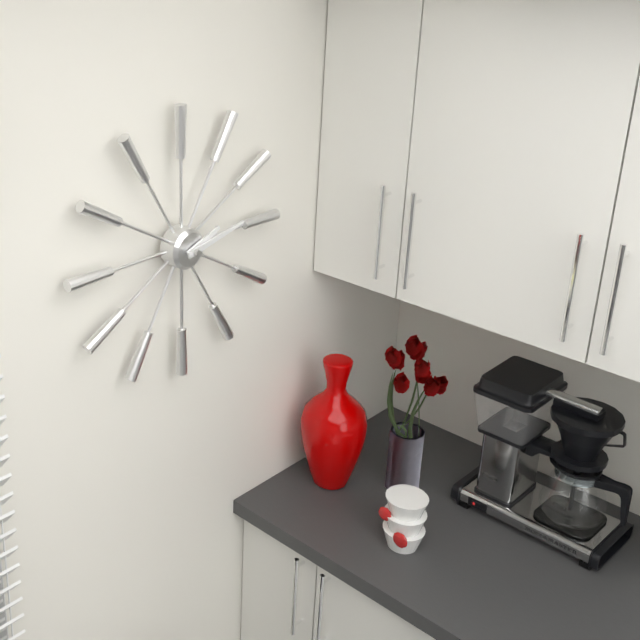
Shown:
h=2 m=13
